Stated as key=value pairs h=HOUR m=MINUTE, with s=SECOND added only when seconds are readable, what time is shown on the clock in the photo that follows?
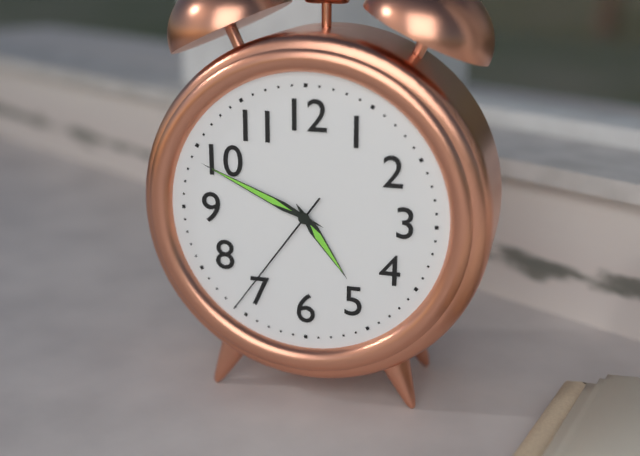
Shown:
h=4 m=49 s=36
